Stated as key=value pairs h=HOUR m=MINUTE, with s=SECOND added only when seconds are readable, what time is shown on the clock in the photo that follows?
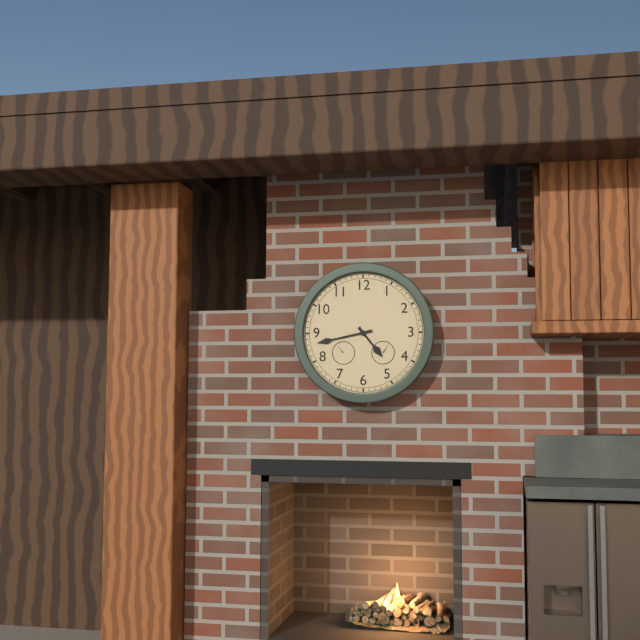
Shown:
h=4 m=43
